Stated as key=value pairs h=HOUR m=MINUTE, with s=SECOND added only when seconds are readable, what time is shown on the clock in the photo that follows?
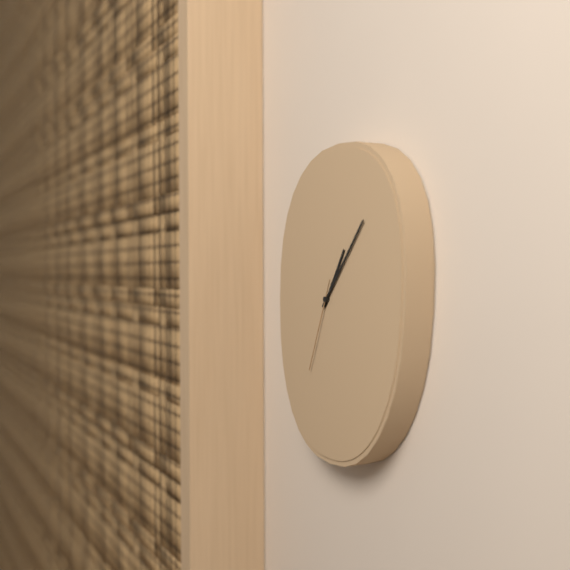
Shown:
h=1 m=7 s=34
